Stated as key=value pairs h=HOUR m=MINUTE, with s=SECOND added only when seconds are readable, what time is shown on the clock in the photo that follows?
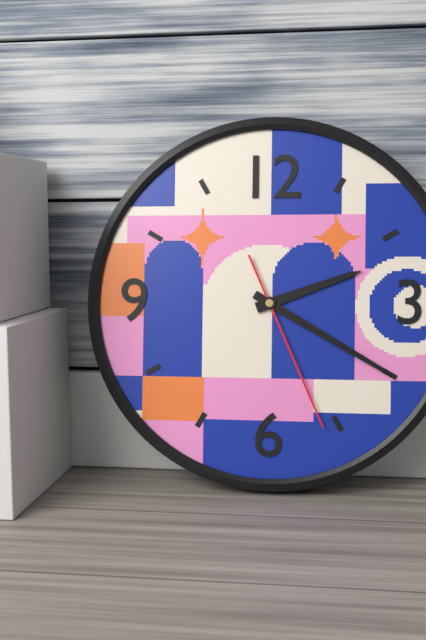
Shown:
h=2 m=20 s=26
